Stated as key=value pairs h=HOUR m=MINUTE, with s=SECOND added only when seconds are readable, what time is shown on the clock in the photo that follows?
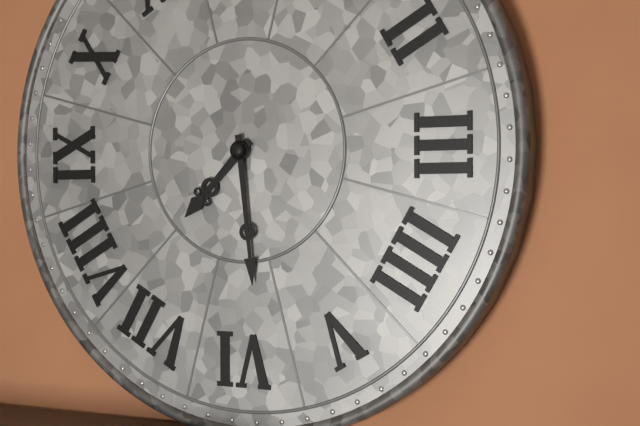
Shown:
h=7 m=29
